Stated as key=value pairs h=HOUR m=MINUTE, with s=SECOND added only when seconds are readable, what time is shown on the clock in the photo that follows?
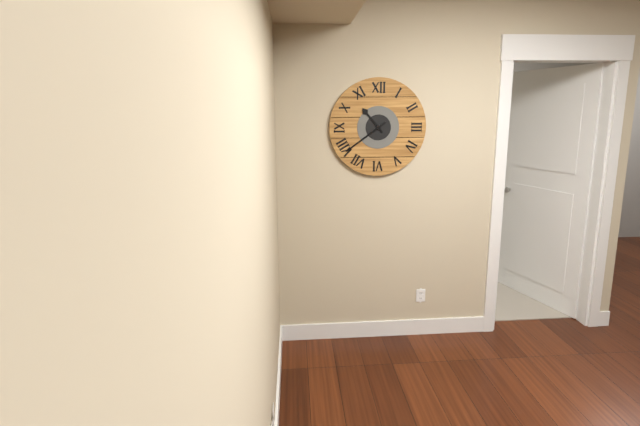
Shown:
h=10 m=39
